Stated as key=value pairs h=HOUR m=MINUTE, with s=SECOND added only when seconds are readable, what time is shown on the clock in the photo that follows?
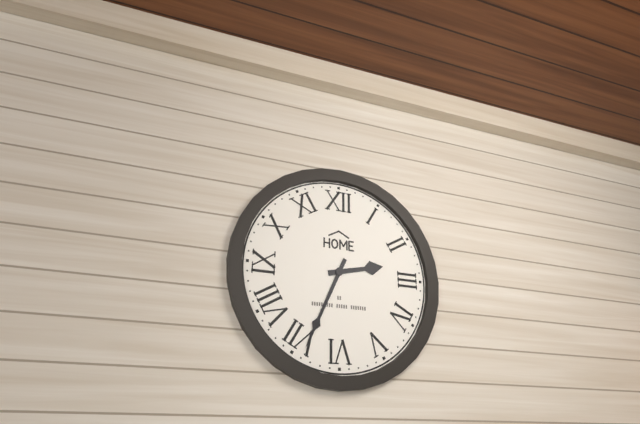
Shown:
h=2 m=34
